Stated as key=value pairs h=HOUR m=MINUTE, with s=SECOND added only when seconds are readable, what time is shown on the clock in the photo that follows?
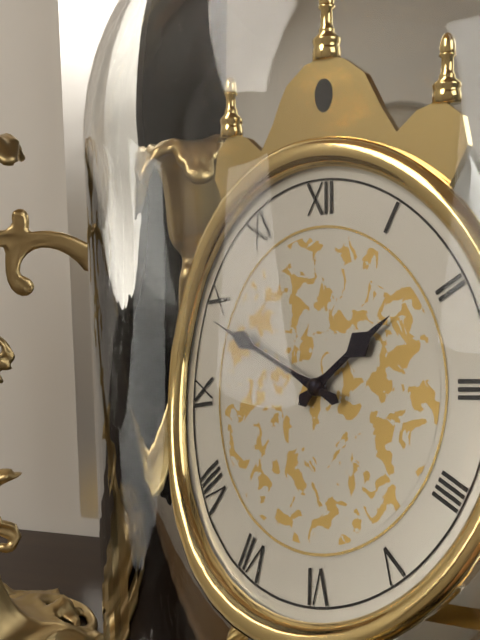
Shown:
h=1 m=49
